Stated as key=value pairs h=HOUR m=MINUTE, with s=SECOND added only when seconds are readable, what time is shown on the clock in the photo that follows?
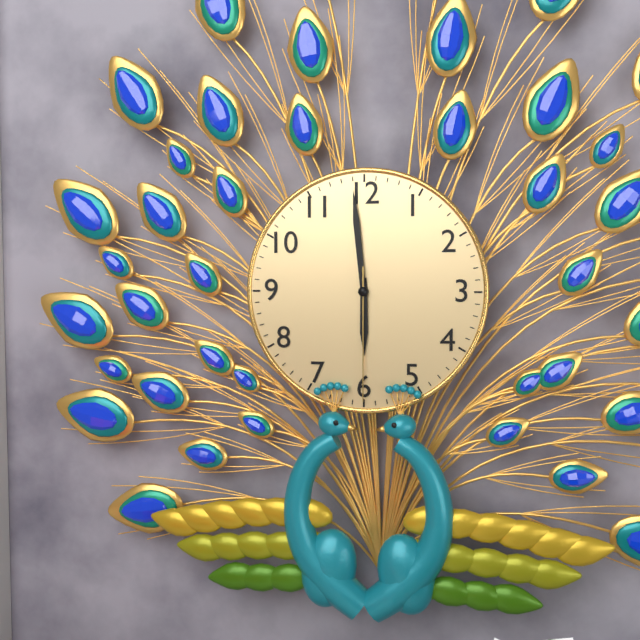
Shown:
h=5 m=59 s=30
